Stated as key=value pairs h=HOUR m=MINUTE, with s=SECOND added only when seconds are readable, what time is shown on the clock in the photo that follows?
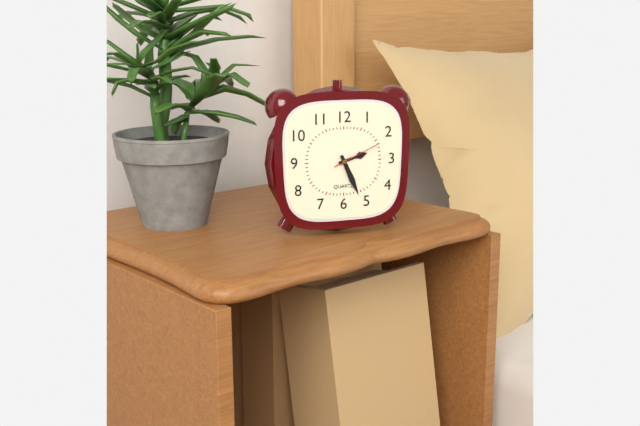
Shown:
h=2 m=26 s=11
